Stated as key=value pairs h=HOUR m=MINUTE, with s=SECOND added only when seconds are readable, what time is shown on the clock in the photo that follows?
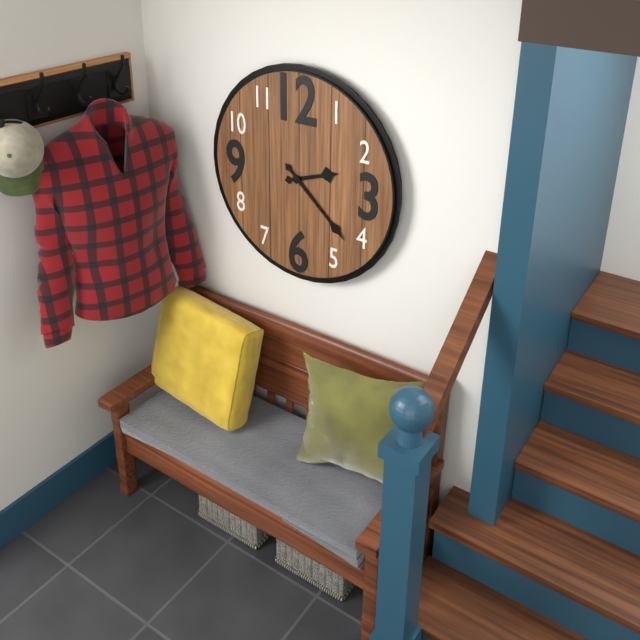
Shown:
h=2 m=22
